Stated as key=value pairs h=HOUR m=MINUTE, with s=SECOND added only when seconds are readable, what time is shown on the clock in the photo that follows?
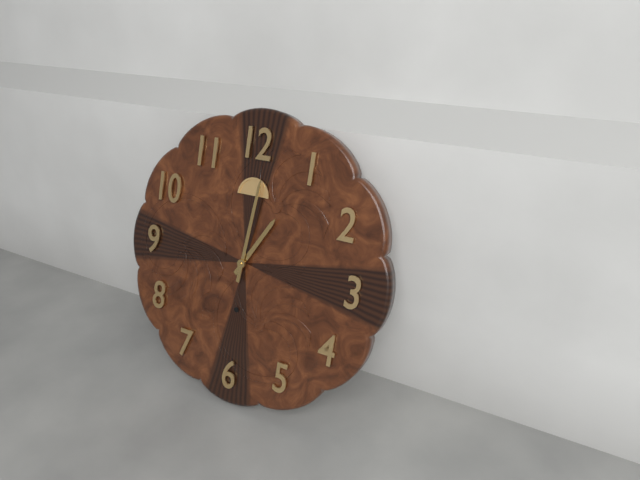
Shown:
h=1 m=1
